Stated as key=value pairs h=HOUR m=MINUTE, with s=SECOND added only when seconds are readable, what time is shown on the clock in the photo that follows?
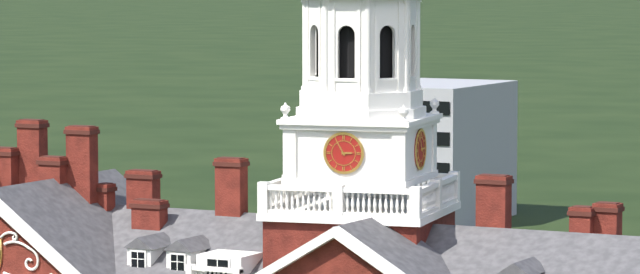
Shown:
h=2 m=55
